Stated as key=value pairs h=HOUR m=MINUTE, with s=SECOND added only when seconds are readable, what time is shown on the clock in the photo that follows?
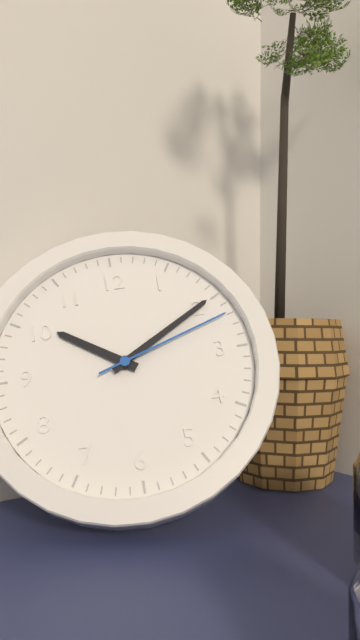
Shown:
h=10 m=10 s=12
